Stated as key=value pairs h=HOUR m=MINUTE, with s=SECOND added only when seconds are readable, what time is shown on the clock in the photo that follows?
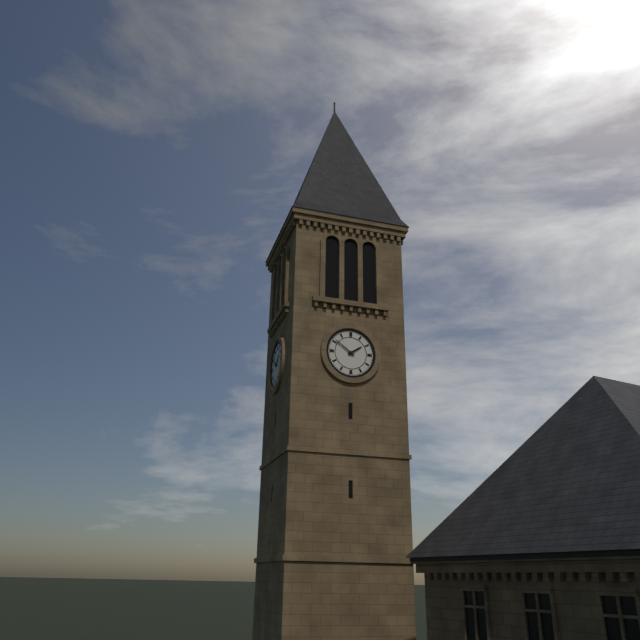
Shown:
h=1 m=51
